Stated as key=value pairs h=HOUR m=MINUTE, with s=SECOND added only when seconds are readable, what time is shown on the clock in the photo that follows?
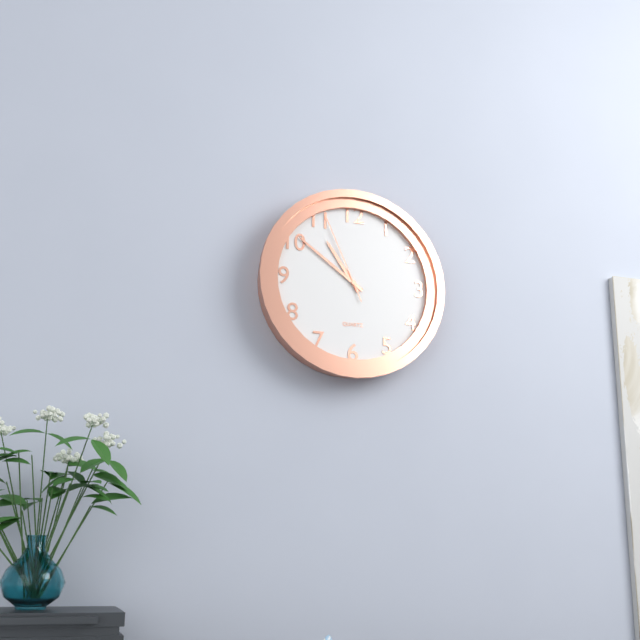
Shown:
h=10 m=51 s=56
